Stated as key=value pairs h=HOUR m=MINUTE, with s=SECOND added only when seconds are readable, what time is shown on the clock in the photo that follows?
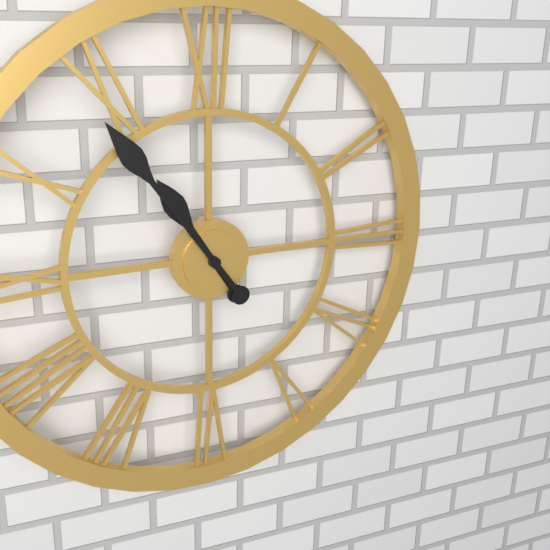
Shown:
h=10 m=54
